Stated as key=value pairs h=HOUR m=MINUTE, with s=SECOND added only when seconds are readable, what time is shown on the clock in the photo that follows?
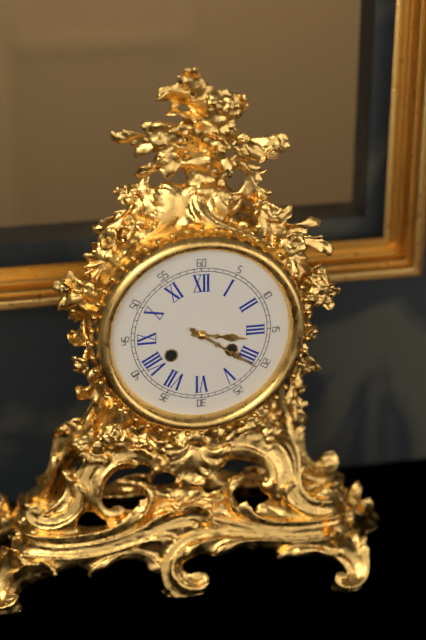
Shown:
h=3 m=21
